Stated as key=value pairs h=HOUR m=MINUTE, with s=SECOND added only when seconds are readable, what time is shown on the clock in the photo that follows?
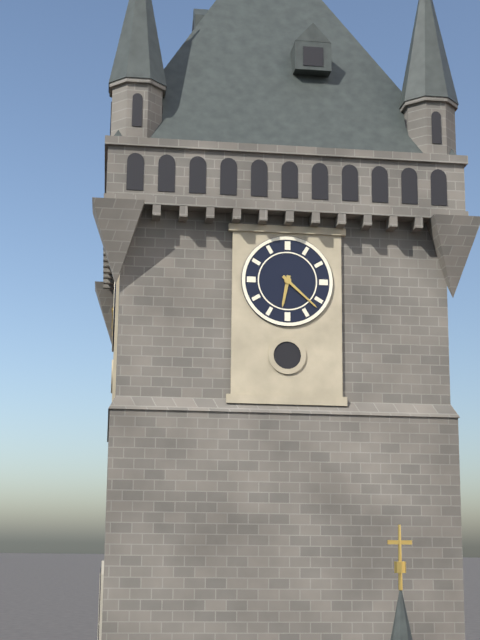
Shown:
h=6 m=22
